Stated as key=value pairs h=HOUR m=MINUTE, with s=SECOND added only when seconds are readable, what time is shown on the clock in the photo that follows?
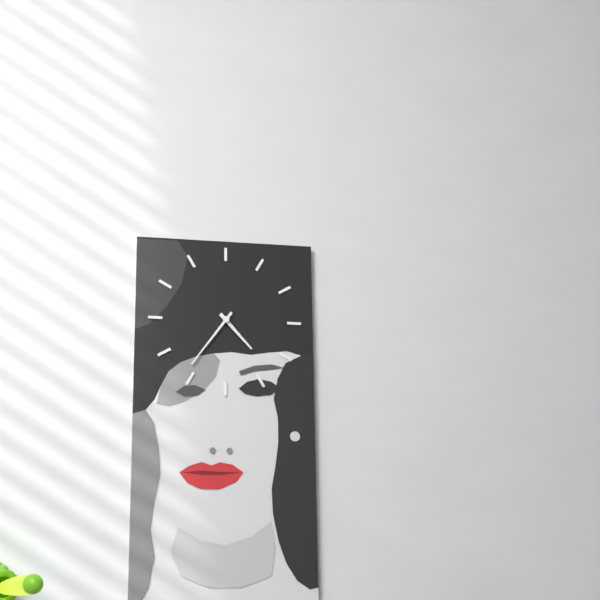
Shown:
h=4 m=36
